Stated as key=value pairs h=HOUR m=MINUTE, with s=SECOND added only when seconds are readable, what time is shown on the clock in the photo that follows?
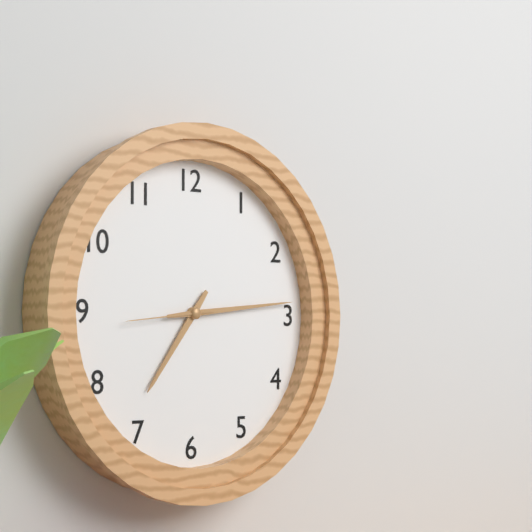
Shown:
h=7 m=14 s=44
